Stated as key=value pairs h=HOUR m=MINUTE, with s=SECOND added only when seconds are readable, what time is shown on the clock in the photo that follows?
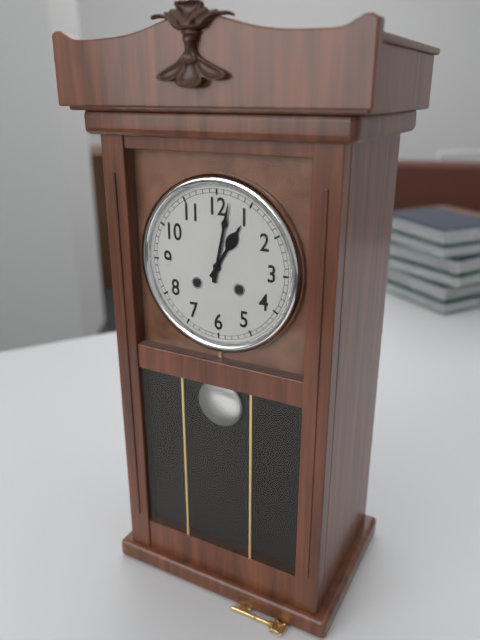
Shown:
h=1 m=2
